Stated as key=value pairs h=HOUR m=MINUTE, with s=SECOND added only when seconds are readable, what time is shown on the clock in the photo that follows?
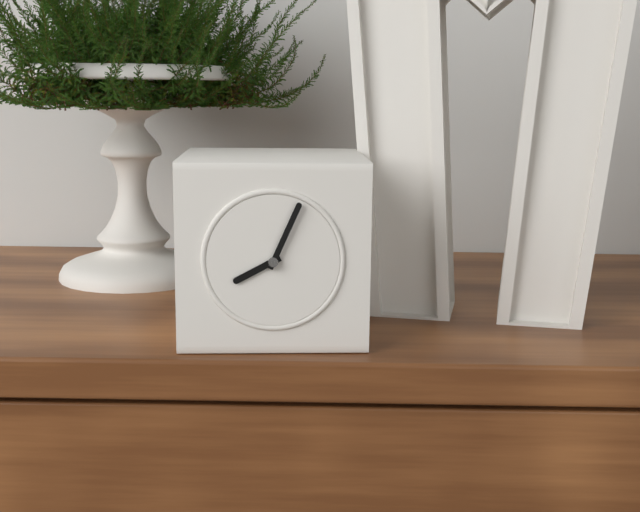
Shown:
h=8 m=4
